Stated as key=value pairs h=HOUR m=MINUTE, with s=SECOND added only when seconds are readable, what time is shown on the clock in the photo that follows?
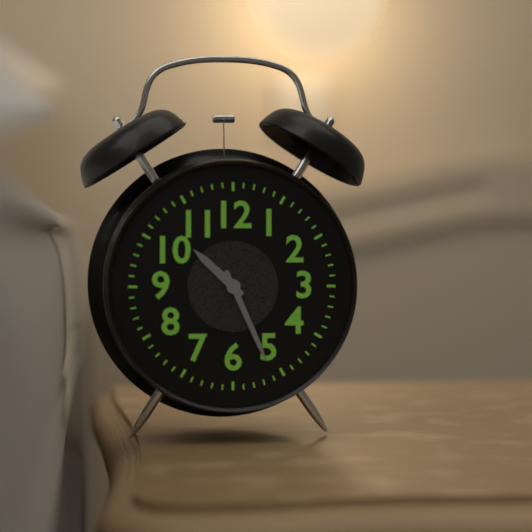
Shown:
h=10 m=26
